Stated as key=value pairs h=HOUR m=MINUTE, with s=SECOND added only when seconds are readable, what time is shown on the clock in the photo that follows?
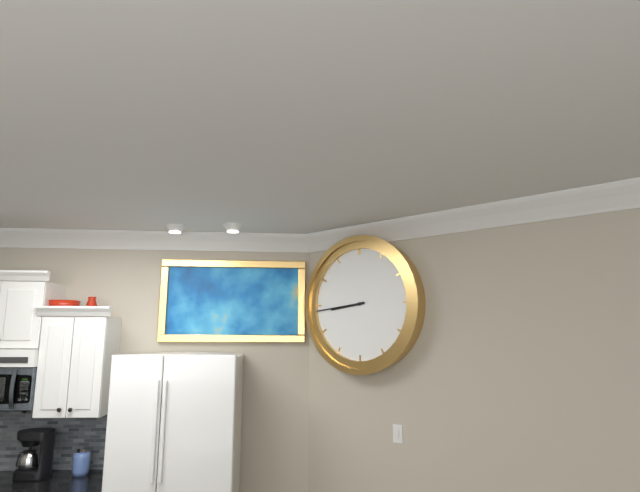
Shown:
h=8 m=44
